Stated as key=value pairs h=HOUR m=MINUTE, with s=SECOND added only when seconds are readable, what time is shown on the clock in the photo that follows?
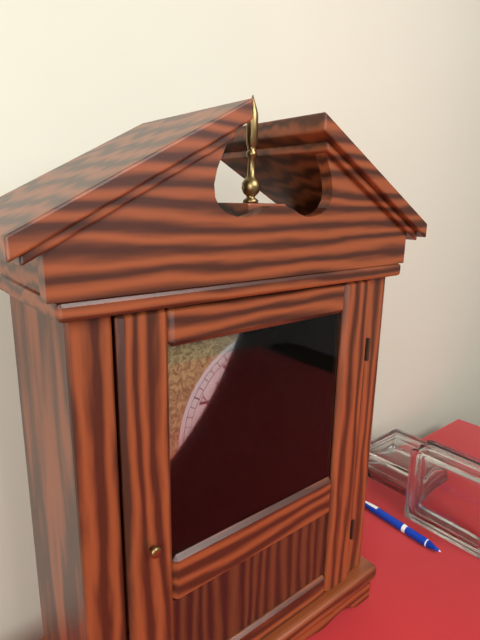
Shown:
h=9 m=59
